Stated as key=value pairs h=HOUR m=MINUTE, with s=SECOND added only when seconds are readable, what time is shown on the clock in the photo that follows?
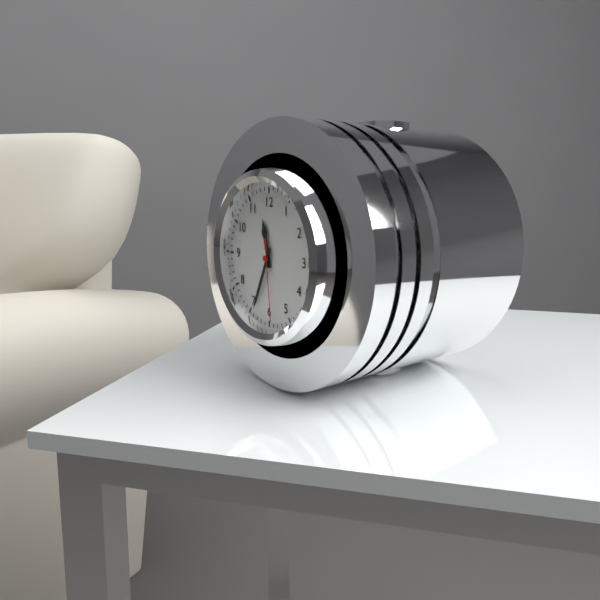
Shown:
h=11 m=34 s=29
